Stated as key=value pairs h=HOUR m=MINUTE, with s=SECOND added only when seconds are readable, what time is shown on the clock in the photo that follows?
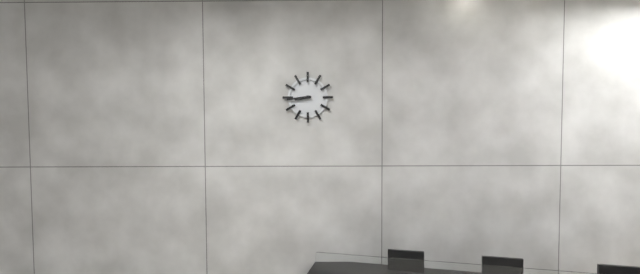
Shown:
h=8 m=44
